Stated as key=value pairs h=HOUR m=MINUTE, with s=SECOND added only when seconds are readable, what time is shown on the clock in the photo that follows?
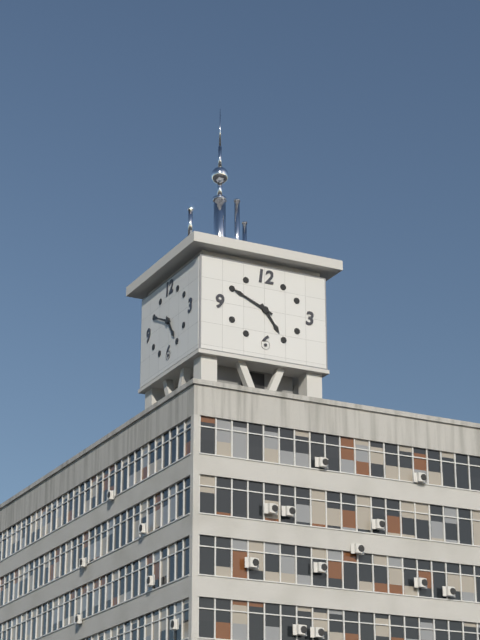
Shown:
h=4 m=49
